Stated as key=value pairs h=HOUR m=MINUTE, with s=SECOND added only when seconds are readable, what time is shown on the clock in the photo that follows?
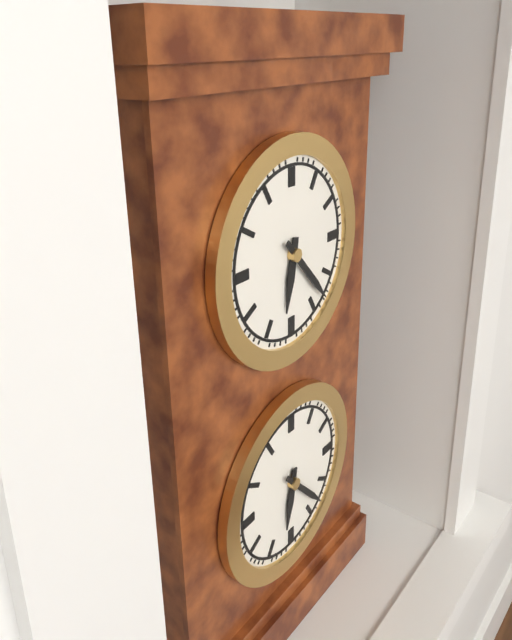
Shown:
h=6 m=23
